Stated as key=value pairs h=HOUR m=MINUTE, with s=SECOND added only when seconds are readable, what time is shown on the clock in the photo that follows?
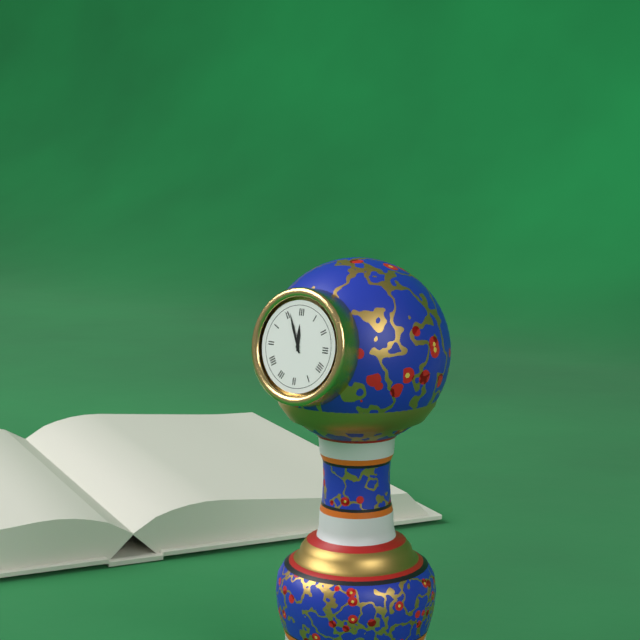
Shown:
h=11 m=56
